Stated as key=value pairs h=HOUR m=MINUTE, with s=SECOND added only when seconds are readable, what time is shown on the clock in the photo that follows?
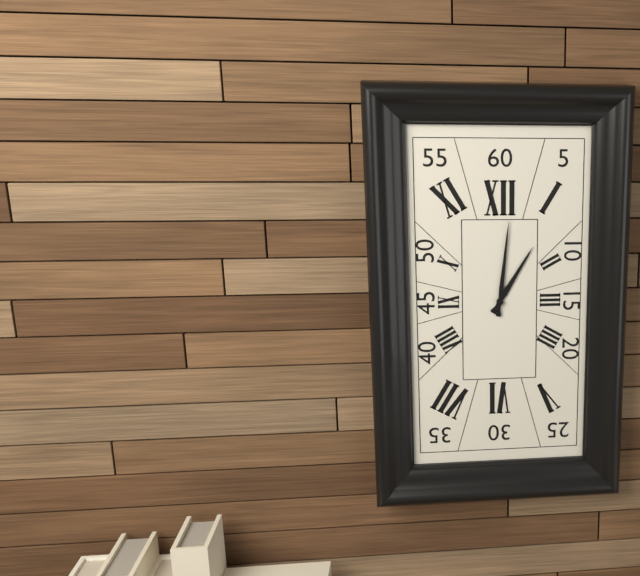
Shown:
h=1 m=1
